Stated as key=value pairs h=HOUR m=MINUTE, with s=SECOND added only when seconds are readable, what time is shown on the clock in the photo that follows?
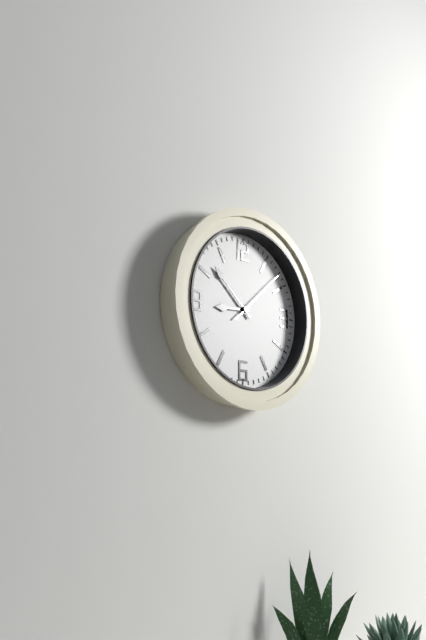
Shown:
h=8 m=52 s=8
